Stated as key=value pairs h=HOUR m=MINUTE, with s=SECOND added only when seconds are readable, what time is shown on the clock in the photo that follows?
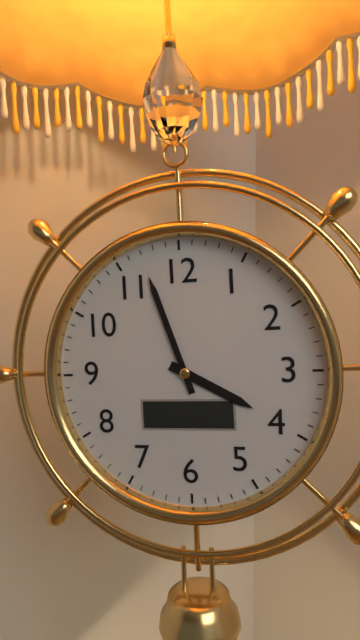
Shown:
h=3 m=57
